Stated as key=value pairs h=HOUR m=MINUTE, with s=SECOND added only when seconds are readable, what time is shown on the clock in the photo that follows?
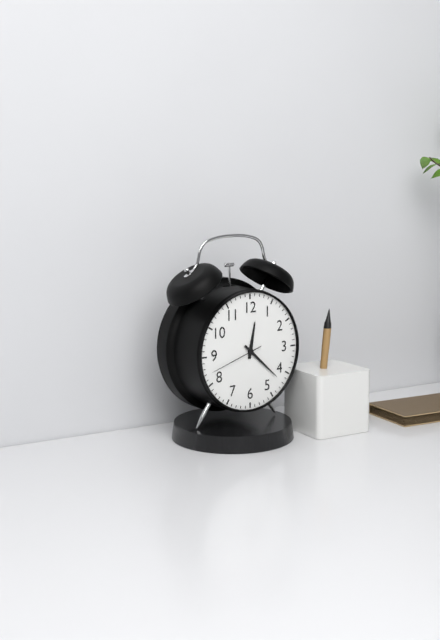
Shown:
h=12 m=22 s=42
